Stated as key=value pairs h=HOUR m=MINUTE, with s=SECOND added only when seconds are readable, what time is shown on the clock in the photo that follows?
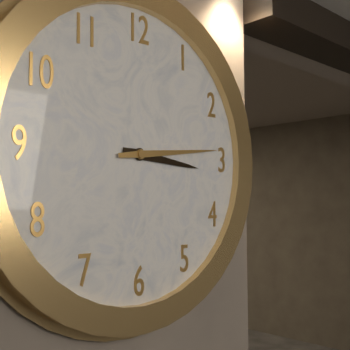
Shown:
h=3 m=14
